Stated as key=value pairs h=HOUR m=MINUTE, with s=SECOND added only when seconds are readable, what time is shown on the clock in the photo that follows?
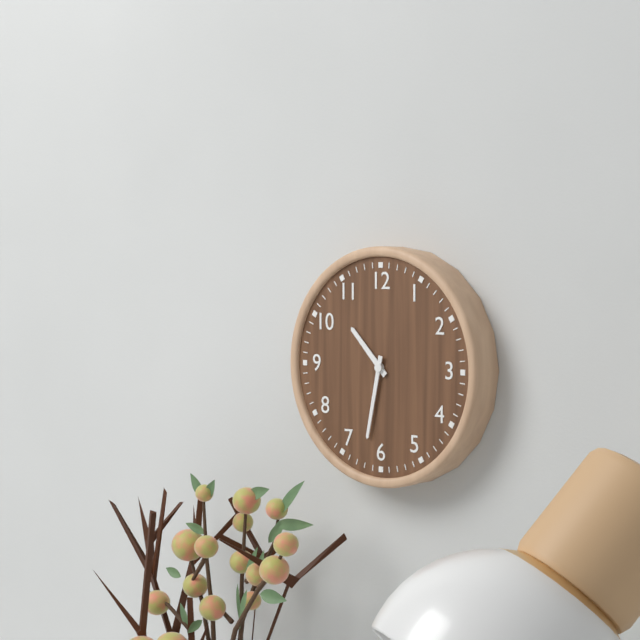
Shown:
h=10 m=32
